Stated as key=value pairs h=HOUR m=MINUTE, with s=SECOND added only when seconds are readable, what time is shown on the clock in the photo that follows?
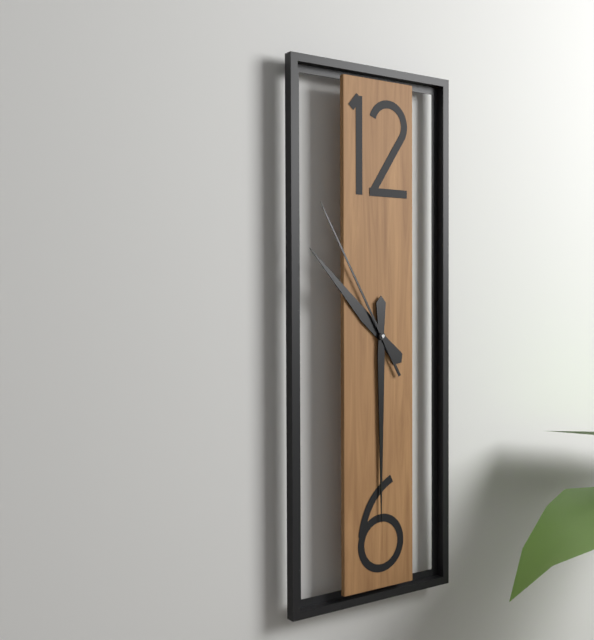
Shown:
h=10 m=30 s=55
